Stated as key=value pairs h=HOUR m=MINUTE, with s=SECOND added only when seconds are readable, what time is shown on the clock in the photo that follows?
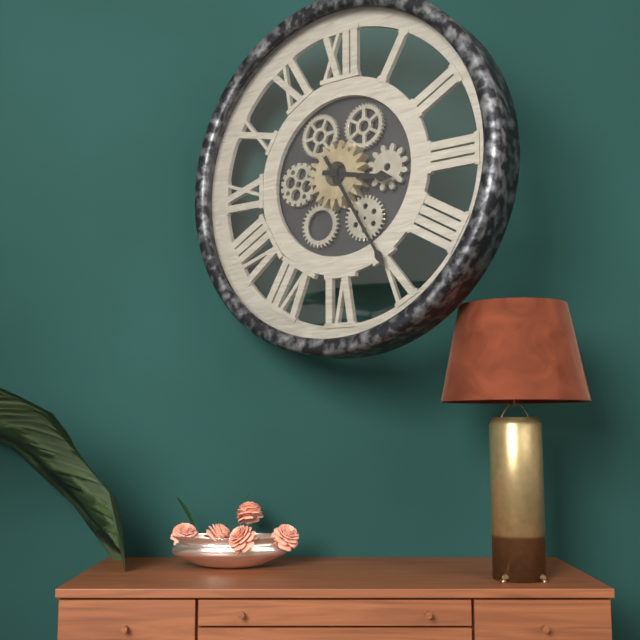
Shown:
h=3 m=25
